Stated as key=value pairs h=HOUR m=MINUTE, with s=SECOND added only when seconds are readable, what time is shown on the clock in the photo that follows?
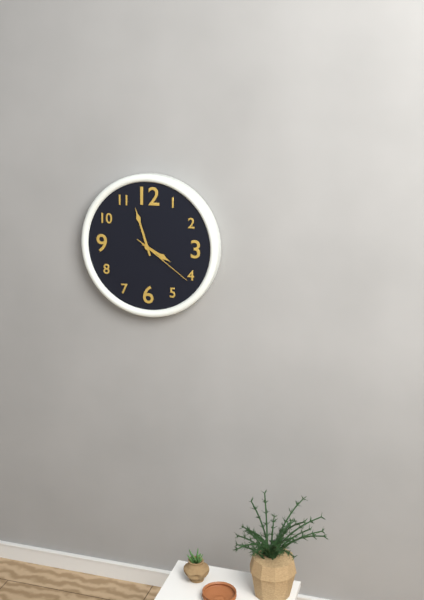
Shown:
h=3 m=57 s=21
